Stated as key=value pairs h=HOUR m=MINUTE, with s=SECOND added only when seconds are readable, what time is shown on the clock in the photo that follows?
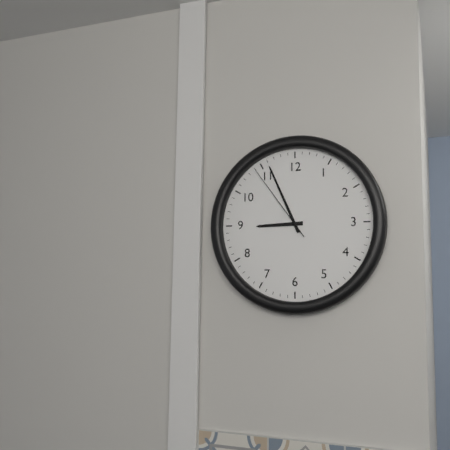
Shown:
h=8 m=56 s=54
